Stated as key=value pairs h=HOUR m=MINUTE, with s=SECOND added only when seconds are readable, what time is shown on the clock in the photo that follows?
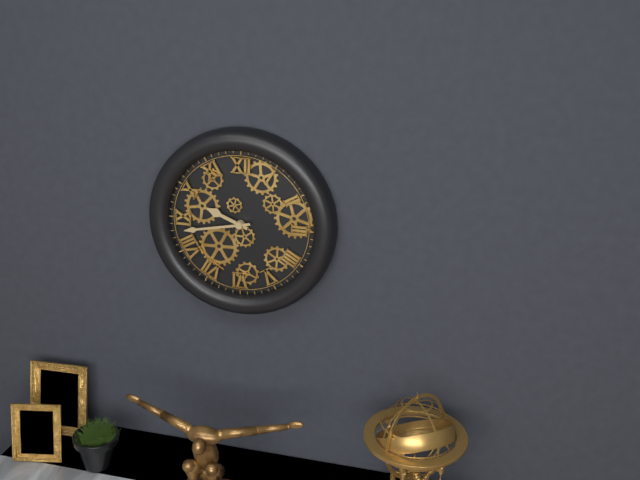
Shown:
h=9 m=43
